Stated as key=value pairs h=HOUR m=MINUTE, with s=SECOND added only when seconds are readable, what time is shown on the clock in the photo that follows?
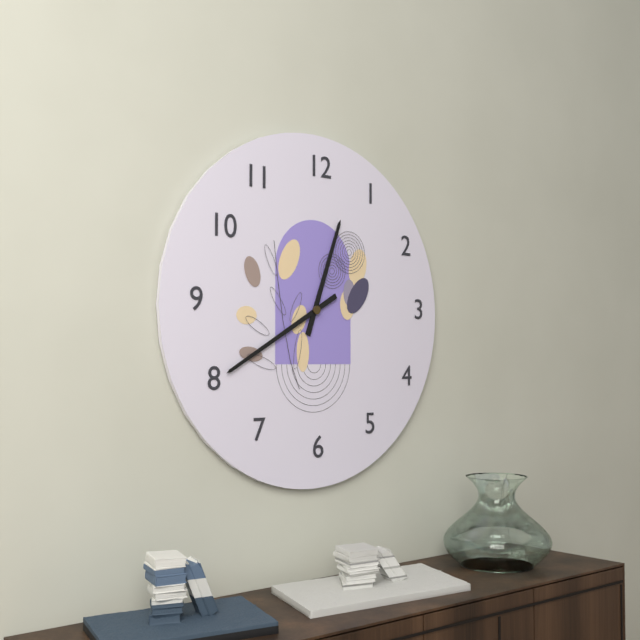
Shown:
h=12 m=40
